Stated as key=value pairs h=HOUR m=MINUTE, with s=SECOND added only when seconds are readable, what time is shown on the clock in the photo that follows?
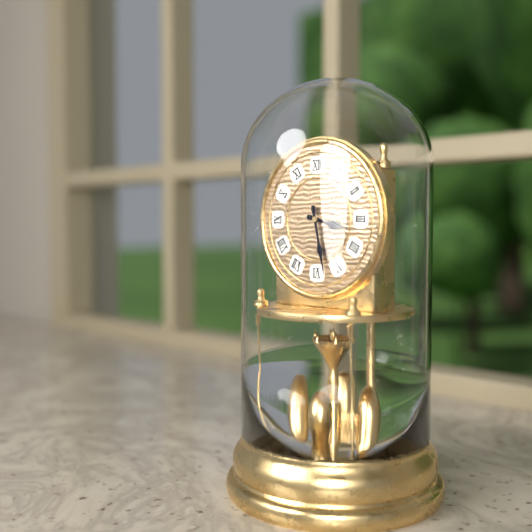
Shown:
h=3 m=28
